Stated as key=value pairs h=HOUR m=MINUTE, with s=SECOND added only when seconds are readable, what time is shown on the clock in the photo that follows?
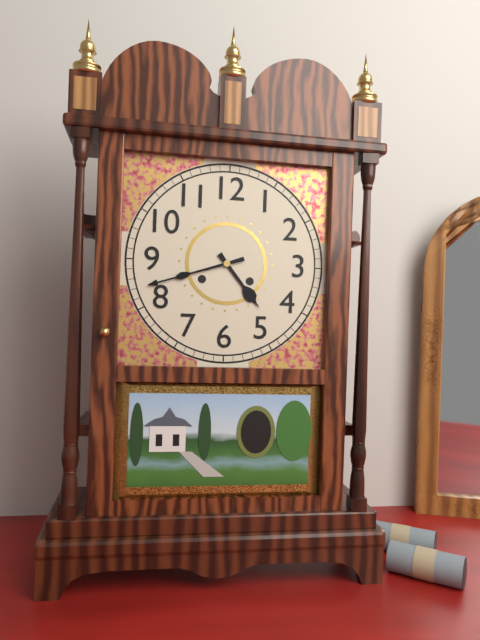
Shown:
h=4 m=42
